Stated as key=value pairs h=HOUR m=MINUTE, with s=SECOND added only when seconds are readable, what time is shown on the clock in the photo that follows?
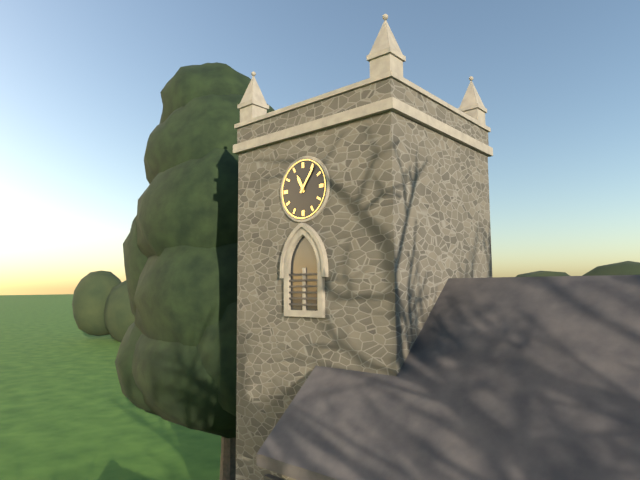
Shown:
h=11 m=6
